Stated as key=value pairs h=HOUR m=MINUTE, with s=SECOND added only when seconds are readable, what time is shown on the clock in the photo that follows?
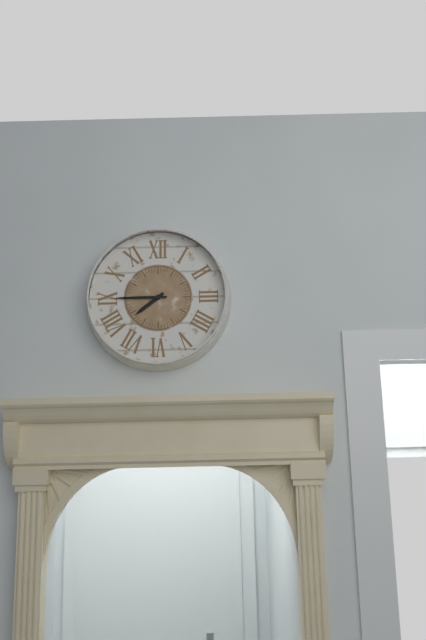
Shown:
h=7 m=45
